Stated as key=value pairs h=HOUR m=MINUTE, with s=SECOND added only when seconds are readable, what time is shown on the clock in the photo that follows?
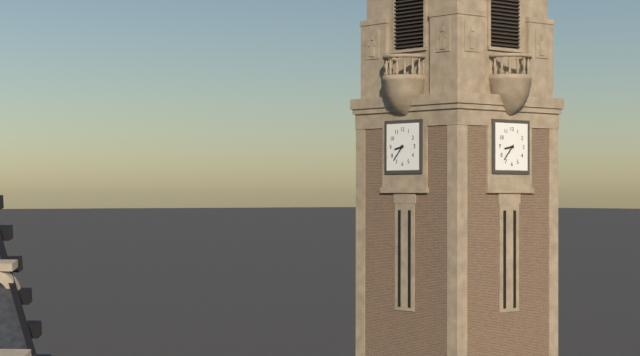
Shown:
h=8 m=37
